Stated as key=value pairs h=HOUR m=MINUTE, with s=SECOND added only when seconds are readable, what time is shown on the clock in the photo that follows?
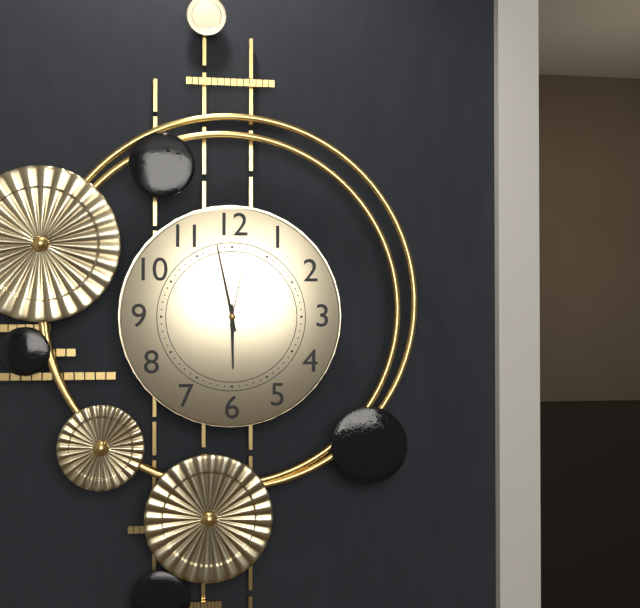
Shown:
h=5 m=58 s=2
